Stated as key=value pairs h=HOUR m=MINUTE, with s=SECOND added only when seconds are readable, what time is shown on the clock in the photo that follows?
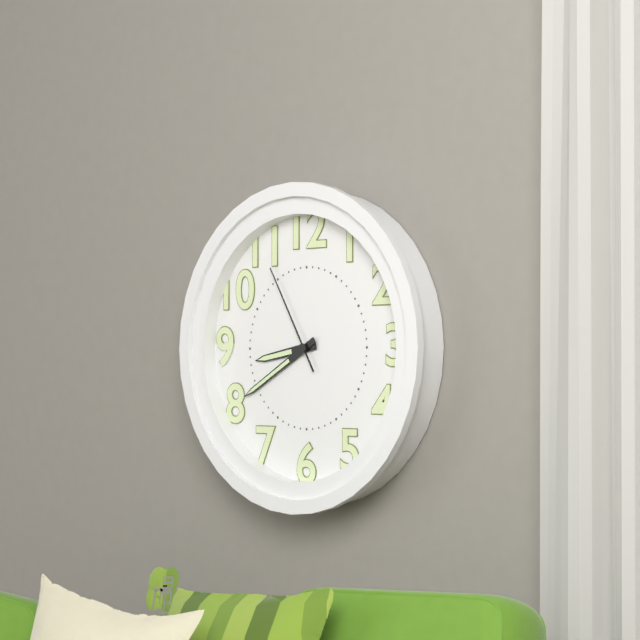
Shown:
h=8 m=40 s=55
